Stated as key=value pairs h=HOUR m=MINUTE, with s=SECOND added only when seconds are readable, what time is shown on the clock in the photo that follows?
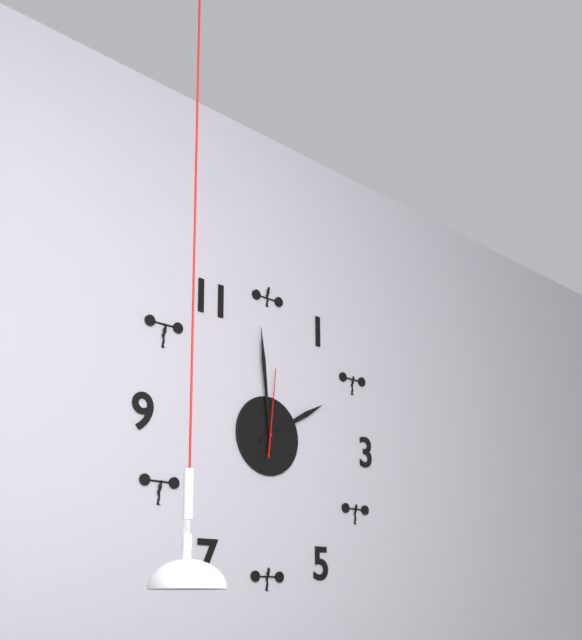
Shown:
h=1 m=59 s=1
